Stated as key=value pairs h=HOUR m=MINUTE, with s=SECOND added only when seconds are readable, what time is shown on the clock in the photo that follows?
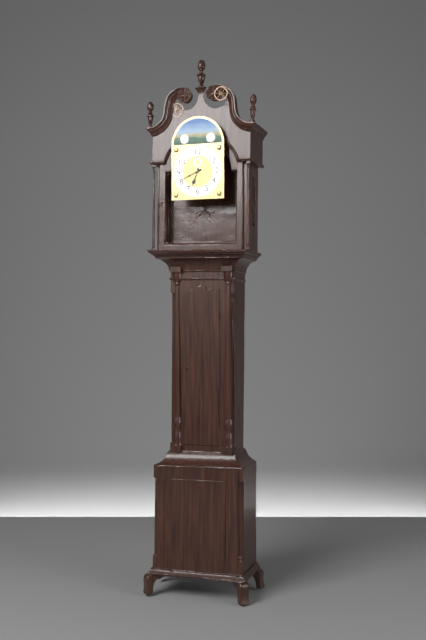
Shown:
h=6 m=41
